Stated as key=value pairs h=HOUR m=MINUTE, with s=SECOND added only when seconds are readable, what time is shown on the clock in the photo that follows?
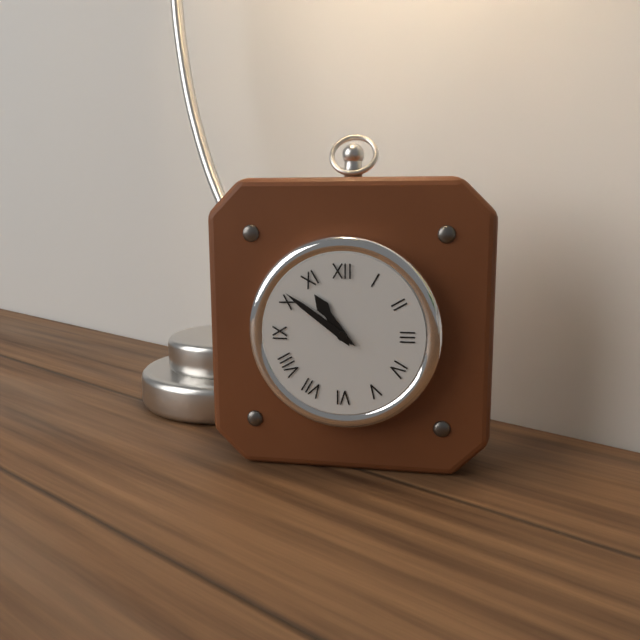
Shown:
h=10 m=51
